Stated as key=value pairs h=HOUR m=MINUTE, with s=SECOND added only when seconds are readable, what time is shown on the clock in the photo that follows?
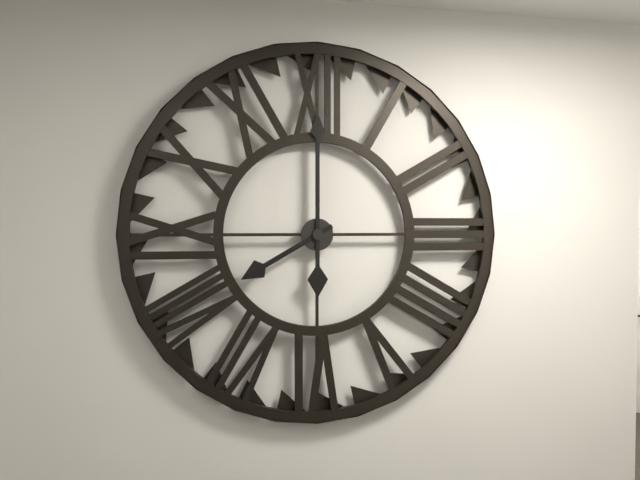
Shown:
h=8 m=0
